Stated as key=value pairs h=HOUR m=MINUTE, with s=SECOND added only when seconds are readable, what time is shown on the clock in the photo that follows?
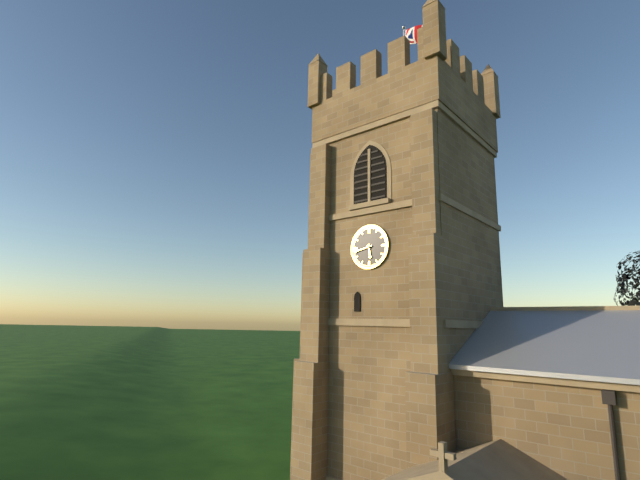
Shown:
h=5 m=43
